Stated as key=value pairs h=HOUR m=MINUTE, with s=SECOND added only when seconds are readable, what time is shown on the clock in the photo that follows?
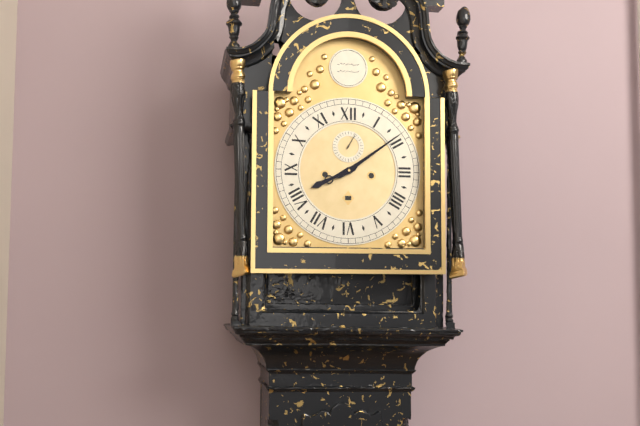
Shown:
h=8 m=9
